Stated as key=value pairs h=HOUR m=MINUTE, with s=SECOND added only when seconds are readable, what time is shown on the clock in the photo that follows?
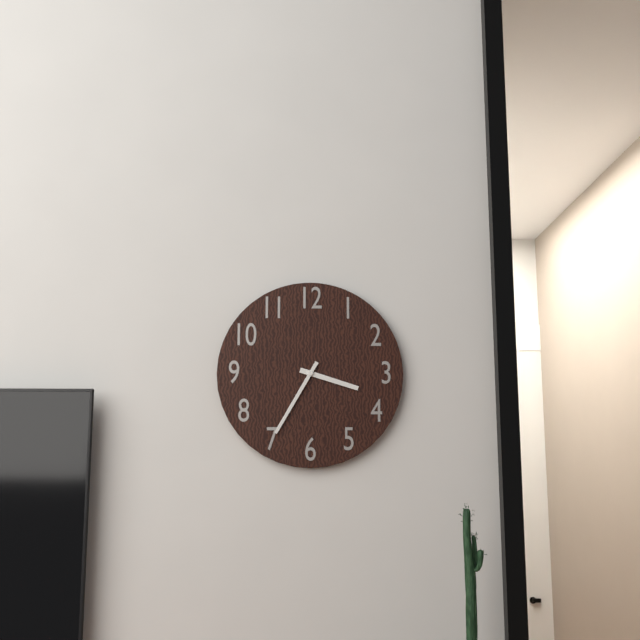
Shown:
h=3 m=35
